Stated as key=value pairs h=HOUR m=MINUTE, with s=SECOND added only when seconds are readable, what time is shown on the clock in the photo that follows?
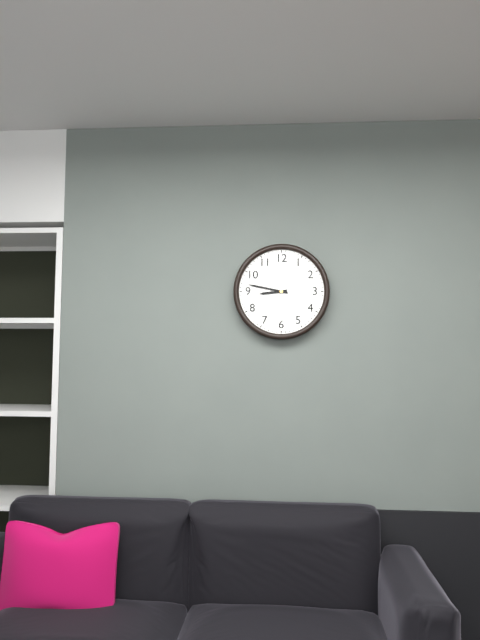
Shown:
h=8 m=47
